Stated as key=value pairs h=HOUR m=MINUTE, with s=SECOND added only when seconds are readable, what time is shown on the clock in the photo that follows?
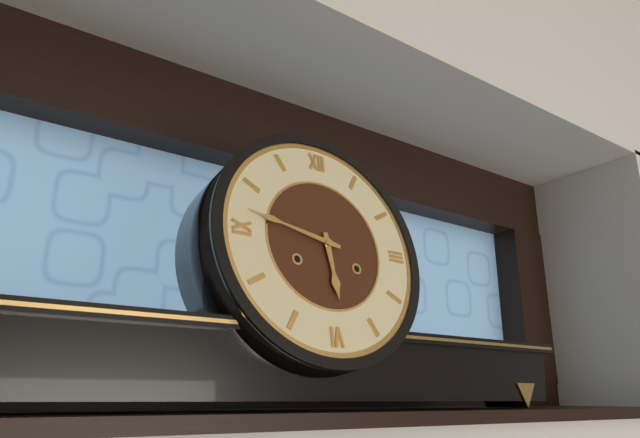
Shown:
h=5 m=47
